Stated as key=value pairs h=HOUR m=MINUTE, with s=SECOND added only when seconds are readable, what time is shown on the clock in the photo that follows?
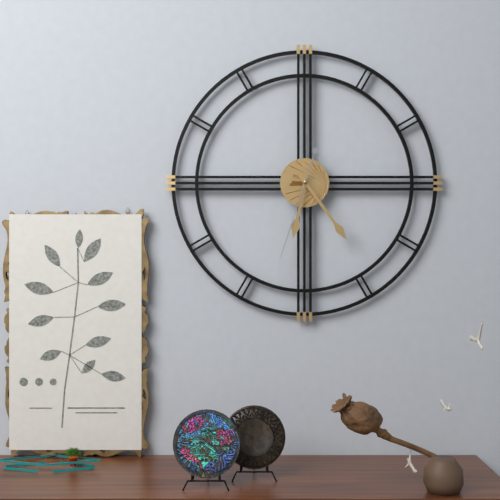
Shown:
h=6 m=24 s=33
